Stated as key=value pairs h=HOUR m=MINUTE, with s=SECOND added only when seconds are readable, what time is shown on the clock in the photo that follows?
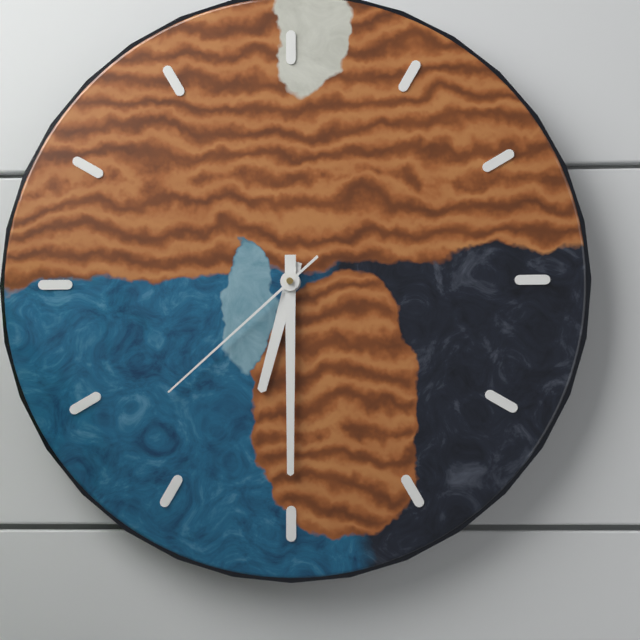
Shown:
h=6 m=30 s=38
